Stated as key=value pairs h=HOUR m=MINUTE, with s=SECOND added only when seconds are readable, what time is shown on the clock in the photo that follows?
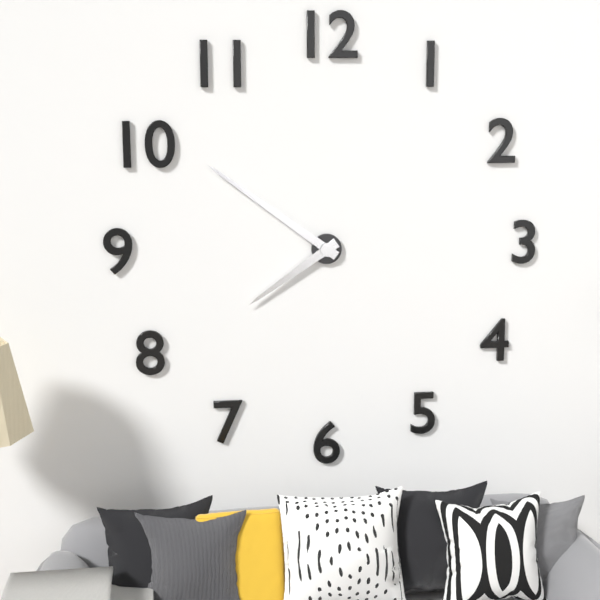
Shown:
h=7 m=51
